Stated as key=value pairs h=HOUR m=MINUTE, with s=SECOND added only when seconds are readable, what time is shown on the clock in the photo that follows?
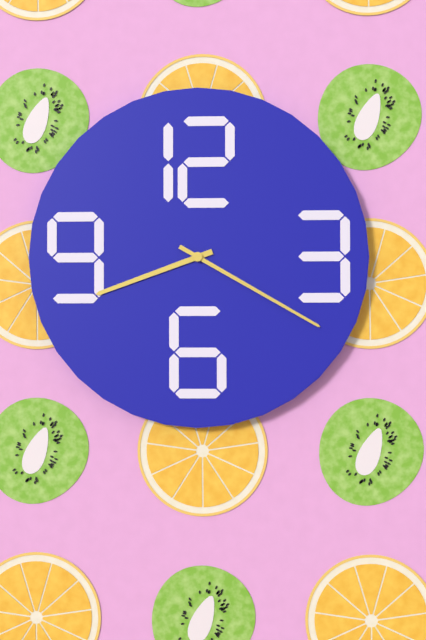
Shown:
h=8 m=20
